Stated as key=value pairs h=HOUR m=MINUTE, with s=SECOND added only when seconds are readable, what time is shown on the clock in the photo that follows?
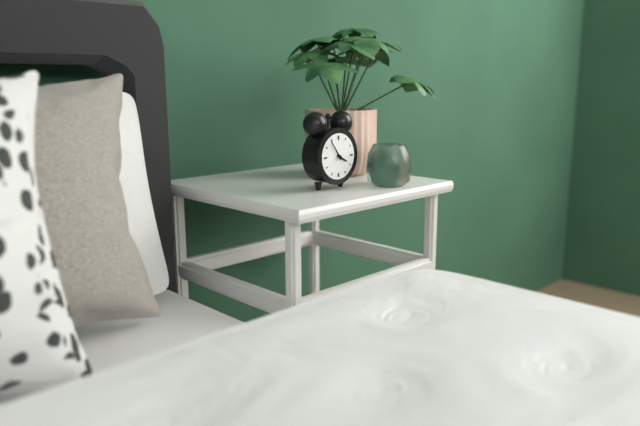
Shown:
h=3 m=54
